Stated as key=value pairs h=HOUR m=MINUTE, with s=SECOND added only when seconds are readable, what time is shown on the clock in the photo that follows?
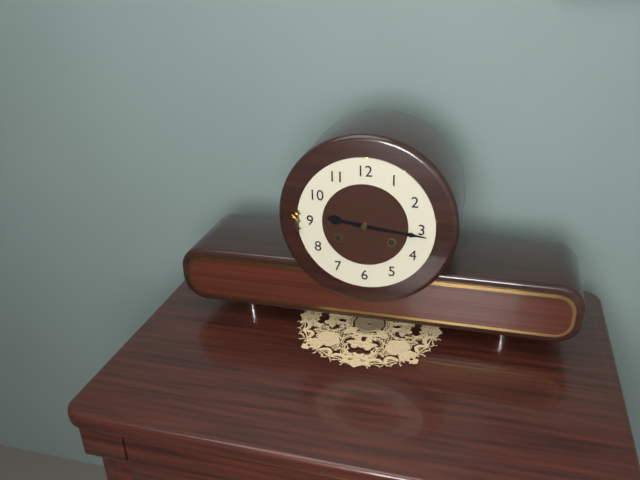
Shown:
h=9 m=16
